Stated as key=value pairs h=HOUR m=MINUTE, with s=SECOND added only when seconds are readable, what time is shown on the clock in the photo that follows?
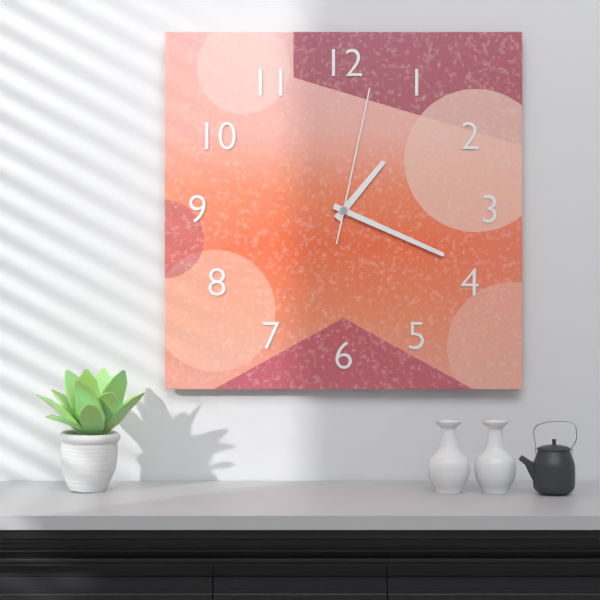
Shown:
h=1 m=19 s=2
